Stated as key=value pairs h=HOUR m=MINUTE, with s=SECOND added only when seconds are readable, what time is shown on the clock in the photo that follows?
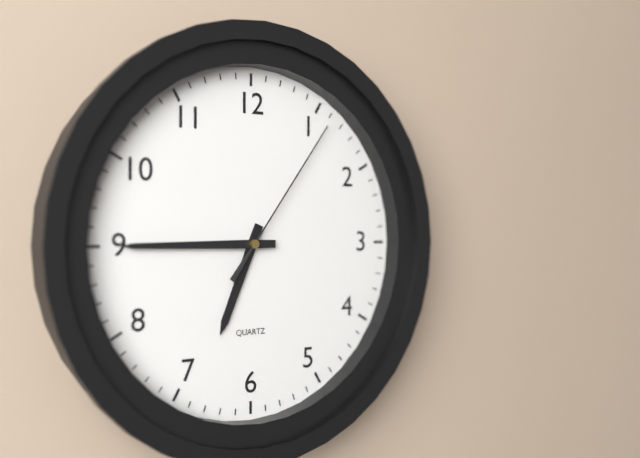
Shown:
h=6 m=45 s=6
